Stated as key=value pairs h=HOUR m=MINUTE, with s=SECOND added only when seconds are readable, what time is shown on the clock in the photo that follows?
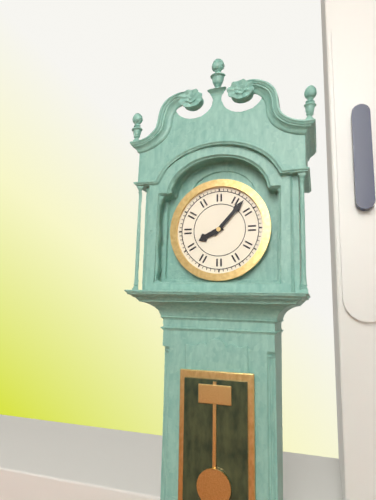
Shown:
h=8 m=7
